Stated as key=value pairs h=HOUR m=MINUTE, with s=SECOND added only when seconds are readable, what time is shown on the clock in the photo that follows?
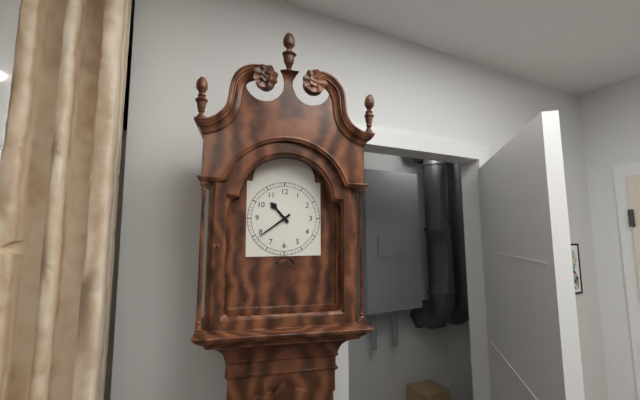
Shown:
h=10 m=39
